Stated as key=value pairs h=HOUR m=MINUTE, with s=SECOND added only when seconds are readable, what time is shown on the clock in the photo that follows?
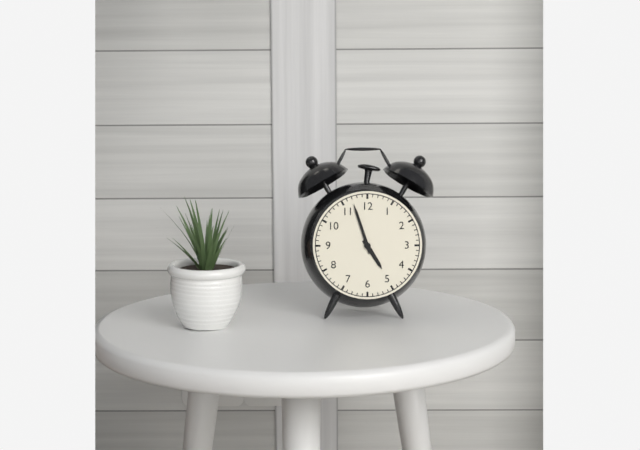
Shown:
h=4 m=57
